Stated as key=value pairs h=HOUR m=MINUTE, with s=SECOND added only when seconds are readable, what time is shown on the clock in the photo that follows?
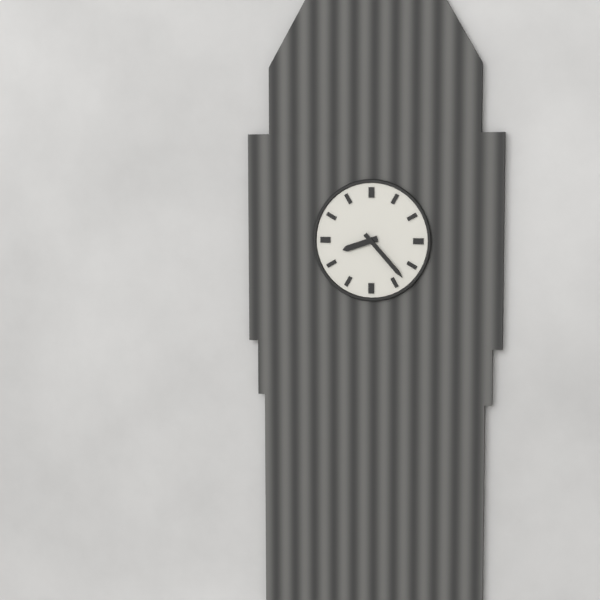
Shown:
h=8 m=23
